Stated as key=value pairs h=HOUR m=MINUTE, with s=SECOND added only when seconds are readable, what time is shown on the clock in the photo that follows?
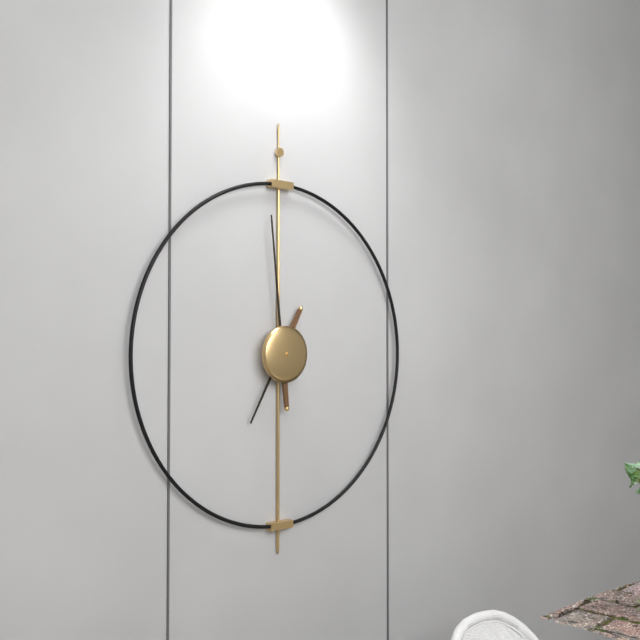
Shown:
h=6 m=59
